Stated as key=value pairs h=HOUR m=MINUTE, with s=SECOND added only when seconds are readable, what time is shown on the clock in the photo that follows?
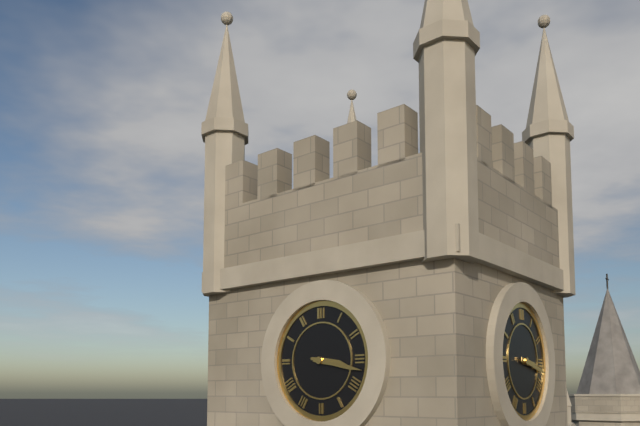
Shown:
h=3 m=17
